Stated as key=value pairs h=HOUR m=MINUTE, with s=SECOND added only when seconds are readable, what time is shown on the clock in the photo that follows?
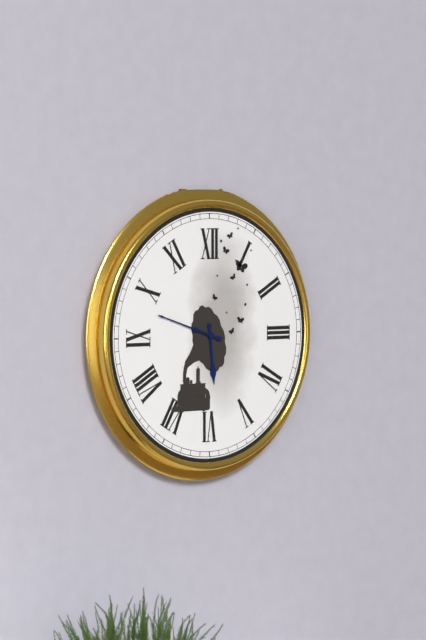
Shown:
h=5 m=48
